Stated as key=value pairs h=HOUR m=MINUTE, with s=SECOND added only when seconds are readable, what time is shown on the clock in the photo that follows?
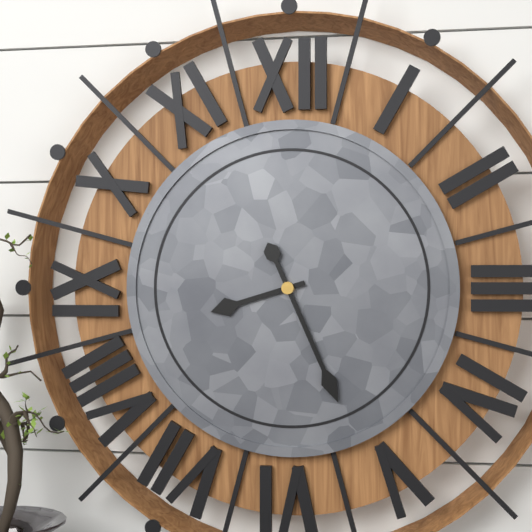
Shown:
h=8 m=26
